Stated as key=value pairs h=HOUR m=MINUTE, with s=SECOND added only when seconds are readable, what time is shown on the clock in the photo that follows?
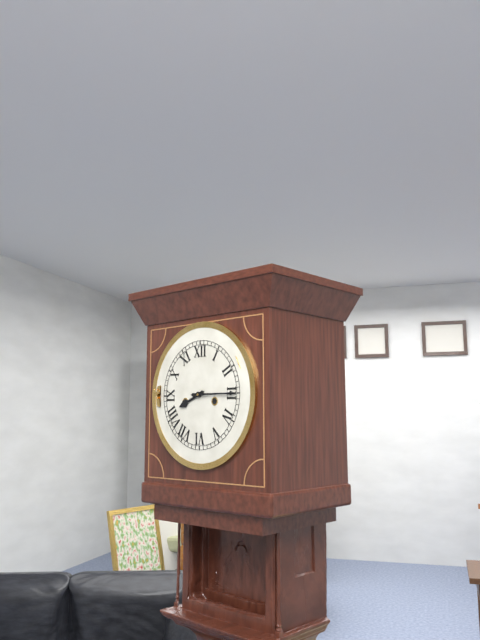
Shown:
h=8 m=15
